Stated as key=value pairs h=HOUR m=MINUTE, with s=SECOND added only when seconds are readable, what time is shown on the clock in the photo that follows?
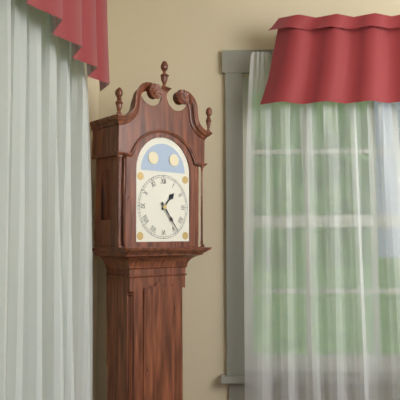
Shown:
h=1 m=24
